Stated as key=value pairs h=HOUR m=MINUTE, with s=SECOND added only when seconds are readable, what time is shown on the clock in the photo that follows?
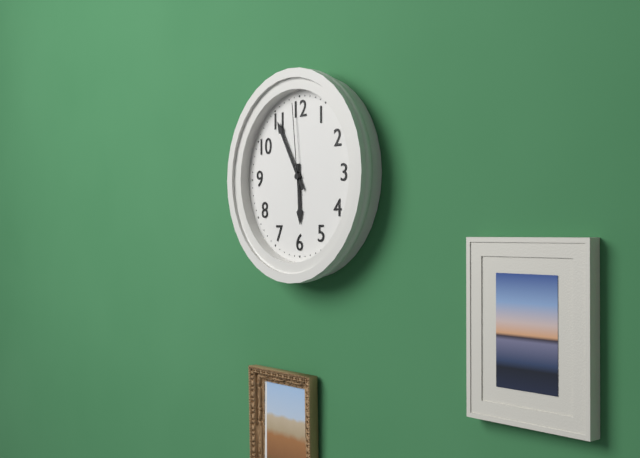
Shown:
h=5 m=55 s=59
